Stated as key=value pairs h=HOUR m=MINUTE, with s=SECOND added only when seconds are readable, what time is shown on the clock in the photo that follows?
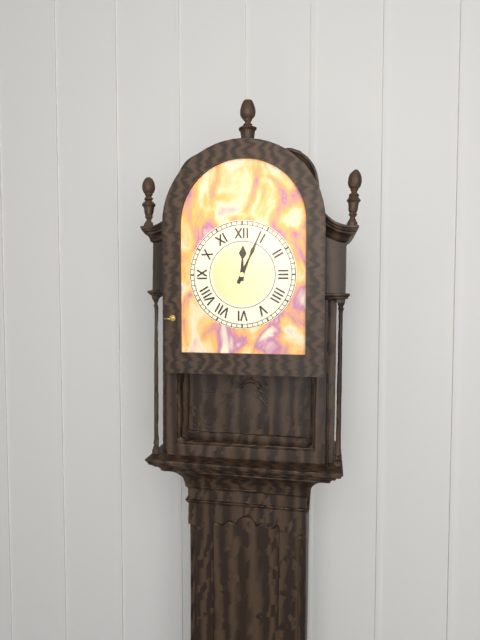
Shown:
h=12 m=4
